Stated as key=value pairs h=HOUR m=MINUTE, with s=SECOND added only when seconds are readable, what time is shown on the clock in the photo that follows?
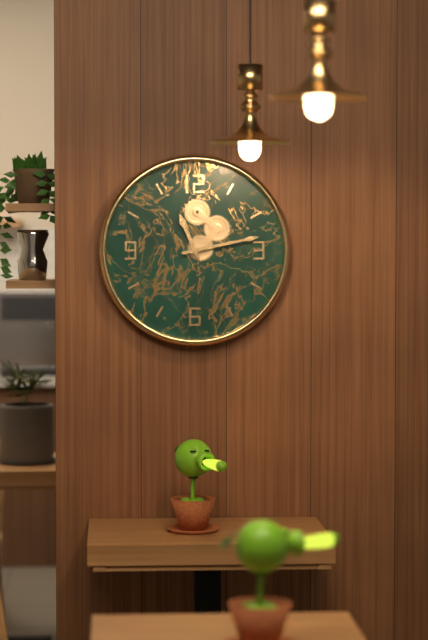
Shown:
h=11 m=13
